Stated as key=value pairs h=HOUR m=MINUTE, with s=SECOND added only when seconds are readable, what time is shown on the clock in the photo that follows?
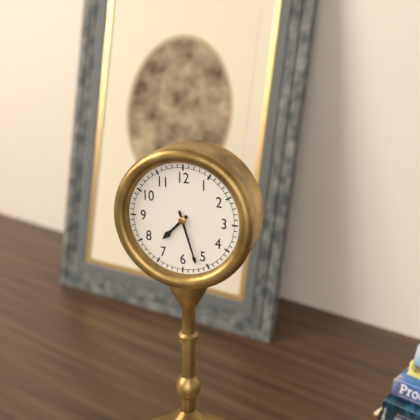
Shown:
h=7 m=27
